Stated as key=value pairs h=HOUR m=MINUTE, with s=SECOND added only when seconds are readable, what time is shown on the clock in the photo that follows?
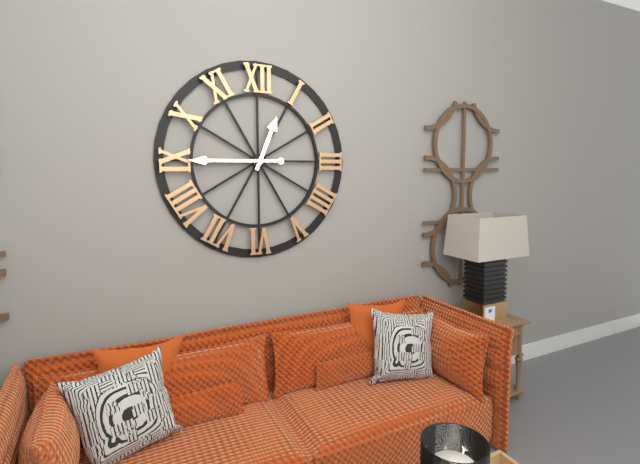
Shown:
h=12 m=45
